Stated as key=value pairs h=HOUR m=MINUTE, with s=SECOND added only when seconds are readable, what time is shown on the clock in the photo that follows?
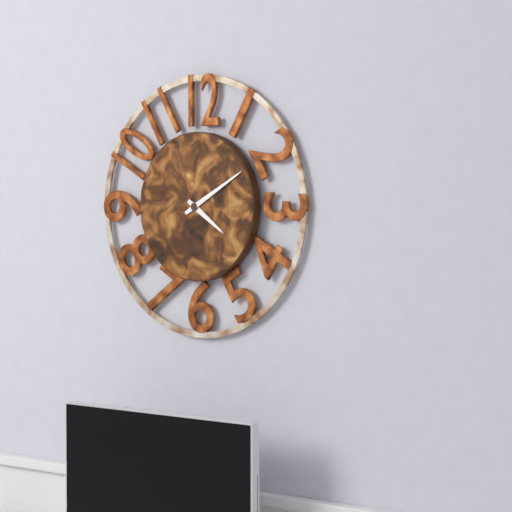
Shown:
h=4 m=10
